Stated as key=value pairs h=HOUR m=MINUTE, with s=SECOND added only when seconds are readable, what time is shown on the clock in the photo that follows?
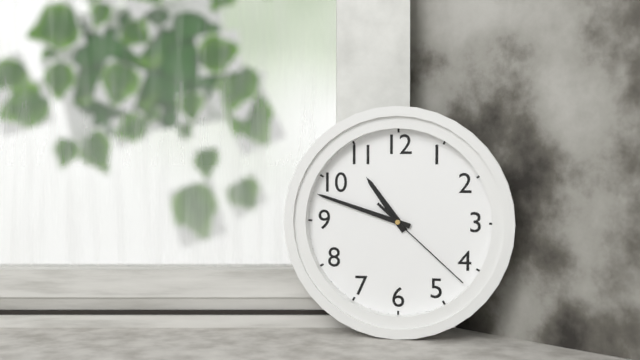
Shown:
h=10 m=48 s=22
